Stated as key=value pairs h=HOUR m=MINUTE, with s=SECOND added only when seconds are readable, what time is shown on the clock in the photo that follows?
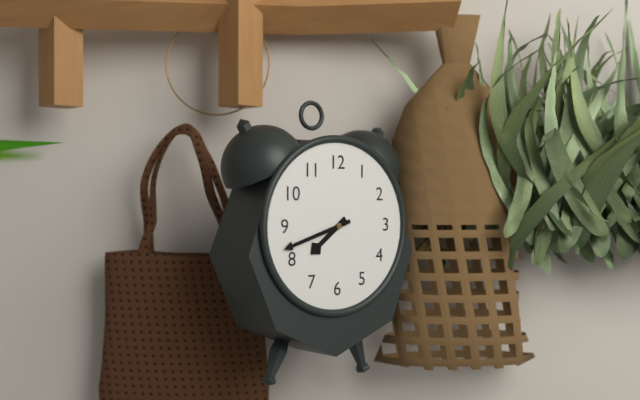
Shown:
h=7 m=42
